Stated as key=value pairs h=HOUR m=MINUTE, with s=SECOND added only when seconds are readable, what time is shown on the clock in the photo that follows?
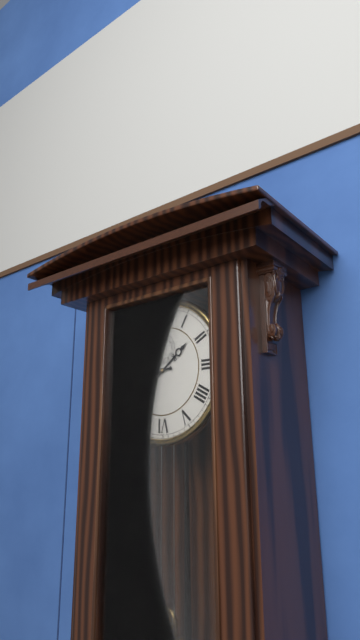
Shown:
h=1 m=44
